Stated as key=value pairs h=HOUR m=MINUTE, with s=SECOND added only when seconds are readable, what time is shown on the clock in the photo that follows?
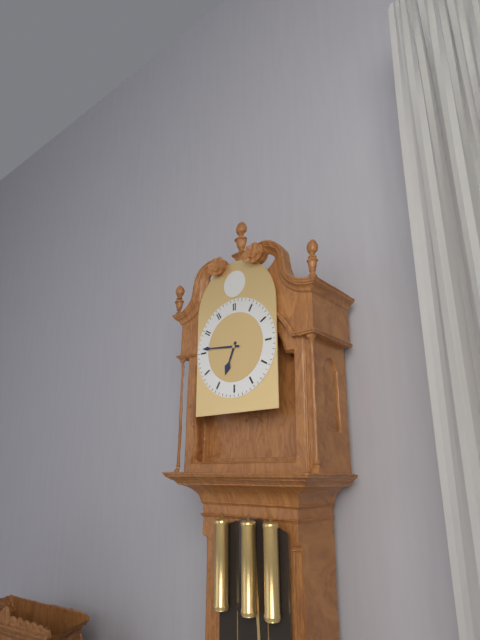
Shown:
h=6 m=46
